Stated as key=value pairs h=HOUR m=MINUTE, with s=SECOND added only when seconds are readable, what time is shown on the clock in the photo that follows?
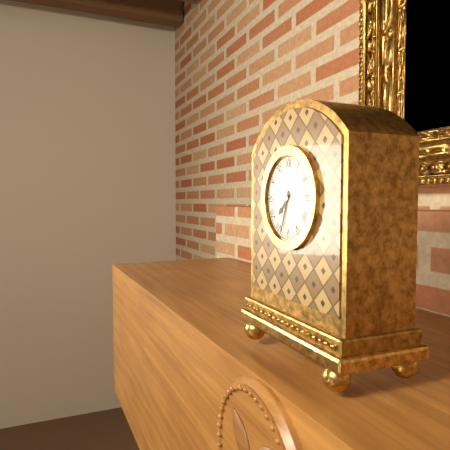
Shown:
h=7 m=33
